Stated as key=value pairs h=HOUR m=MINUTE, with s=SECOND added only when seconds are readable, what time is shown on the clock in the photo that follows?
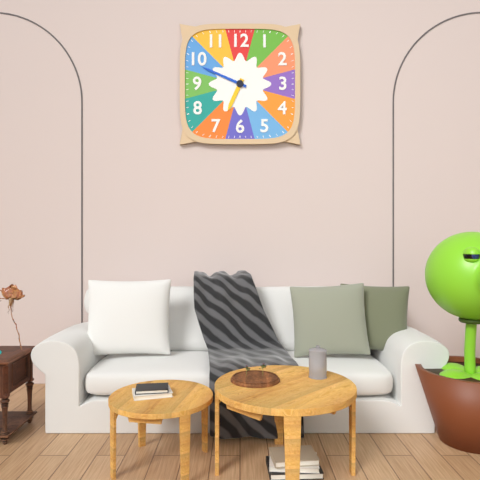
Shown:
h=6 m=49
